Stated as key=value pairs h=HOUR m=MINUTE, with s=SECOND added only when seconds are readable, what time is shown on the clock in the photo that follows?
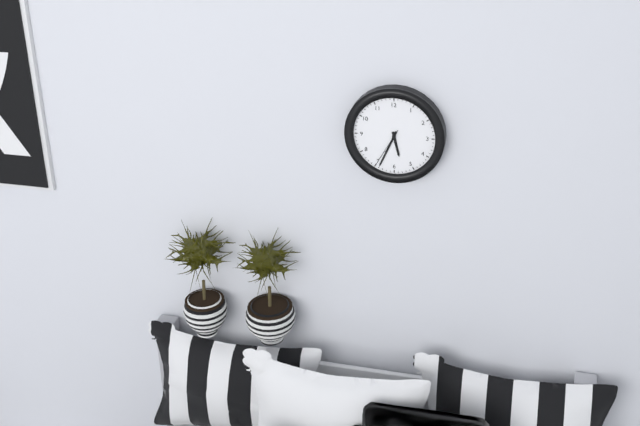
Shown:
h=5 m=34
